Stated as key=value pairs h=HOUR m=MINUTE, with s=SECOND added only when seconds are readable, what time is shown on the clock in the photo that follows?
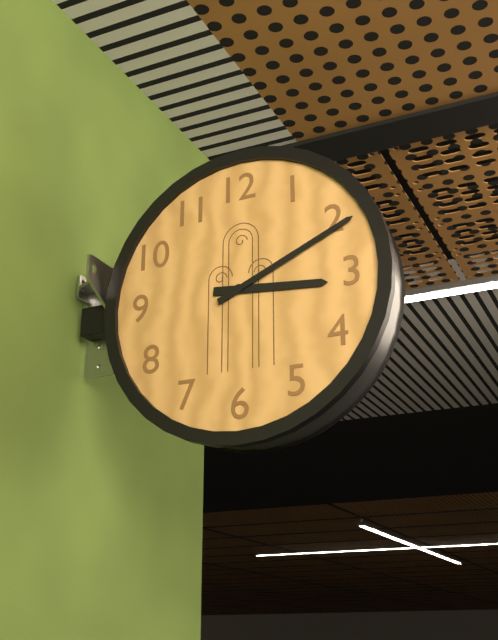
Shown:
h=3 m=11
